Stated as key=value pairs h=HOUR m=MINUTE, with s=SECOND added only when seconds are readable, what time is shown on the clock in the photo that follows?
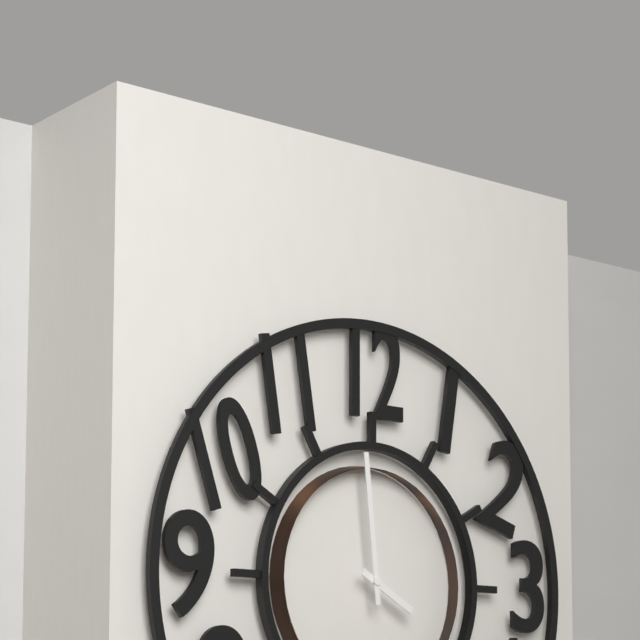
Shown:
h=3 m=59
